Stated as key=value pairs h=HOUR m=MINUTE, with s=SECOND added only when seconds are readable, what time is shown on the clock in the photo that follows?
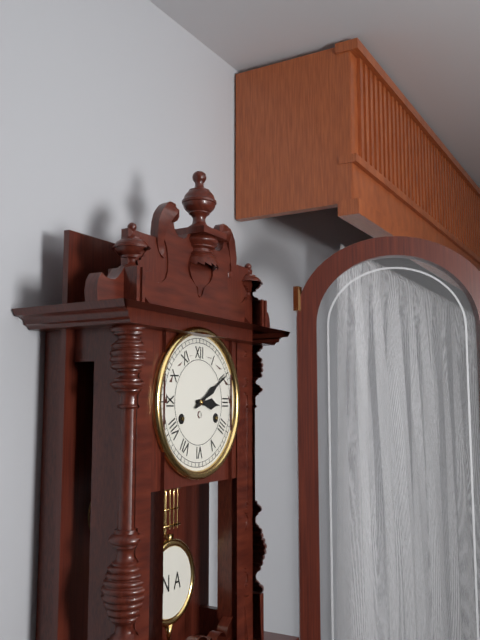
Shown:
h=3 m=10
